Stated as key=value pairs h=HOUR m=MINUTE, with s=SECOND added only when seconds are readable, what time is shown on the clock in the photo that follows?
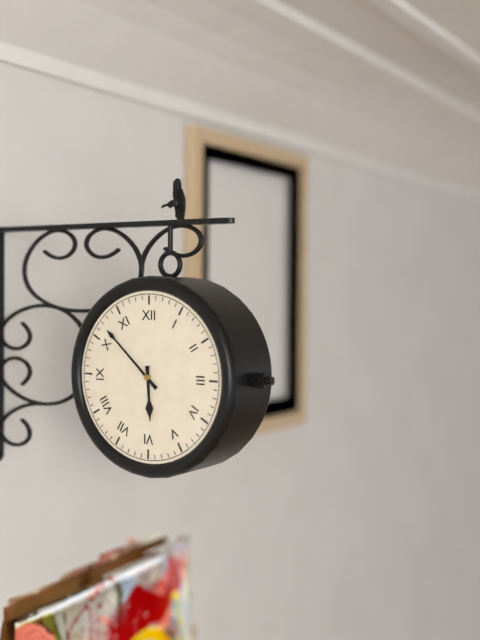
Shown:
h=5 m=52
